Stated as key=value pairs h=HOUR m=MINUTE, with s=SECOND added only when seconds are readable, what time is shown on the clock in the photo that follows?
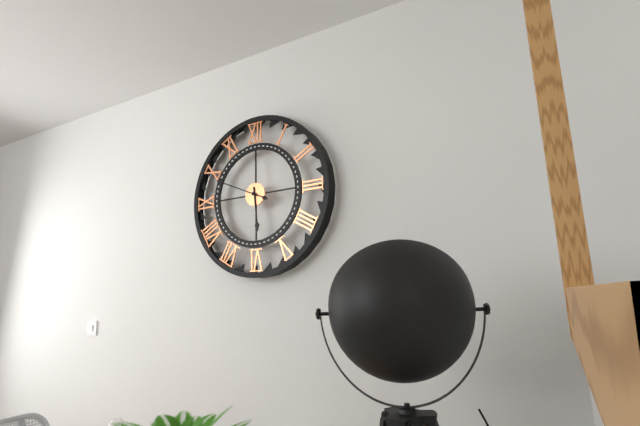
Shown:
h=5 m=49
